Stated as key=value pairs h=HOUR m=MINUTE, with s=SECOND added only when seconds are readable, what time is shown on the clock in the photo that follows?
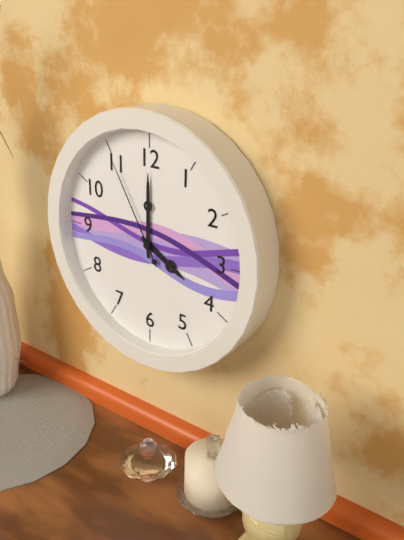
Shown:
h=4 m=0 s=55
